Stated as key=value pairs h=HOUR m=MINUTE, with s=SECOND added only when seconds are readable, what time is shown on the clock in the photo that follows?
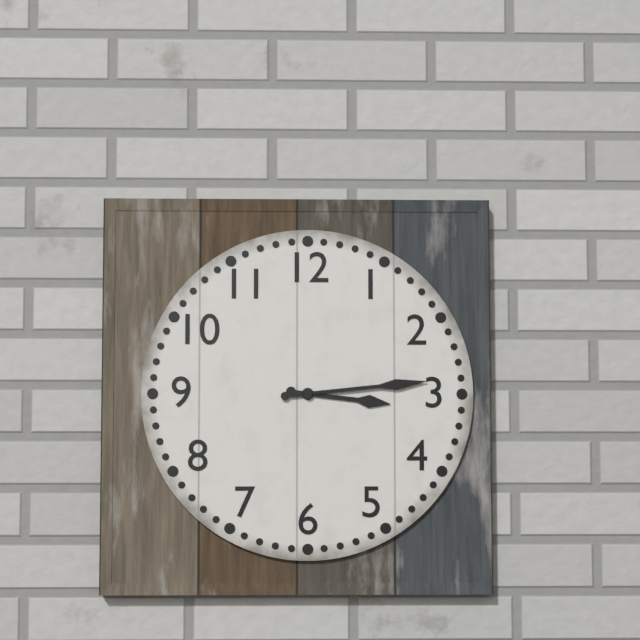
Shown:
h=3 m=14
